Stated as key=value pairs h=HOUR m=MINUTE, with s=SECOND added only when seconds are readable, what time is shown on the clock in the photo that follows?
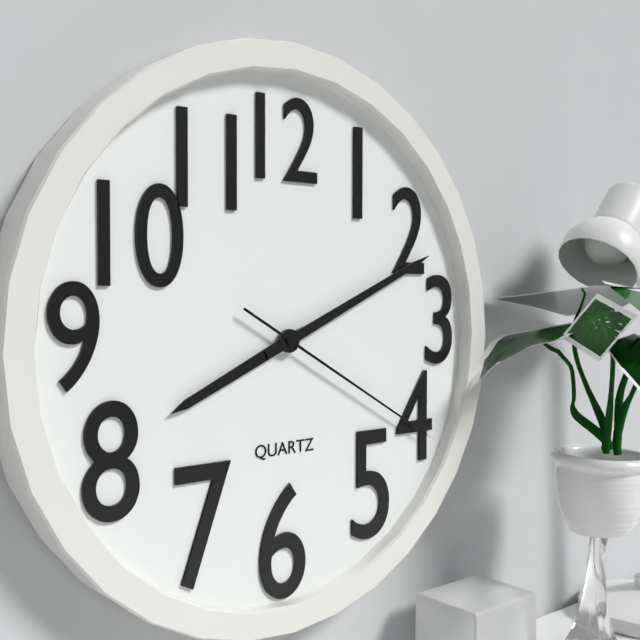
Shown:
h=8 m=11 s=20
